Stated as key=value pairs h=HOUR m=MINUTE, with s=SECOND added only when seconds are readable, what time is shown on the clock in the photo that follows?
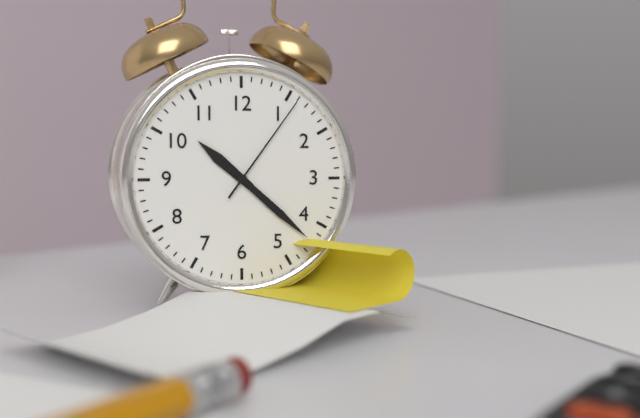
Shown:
h=10 m=22 s=6
